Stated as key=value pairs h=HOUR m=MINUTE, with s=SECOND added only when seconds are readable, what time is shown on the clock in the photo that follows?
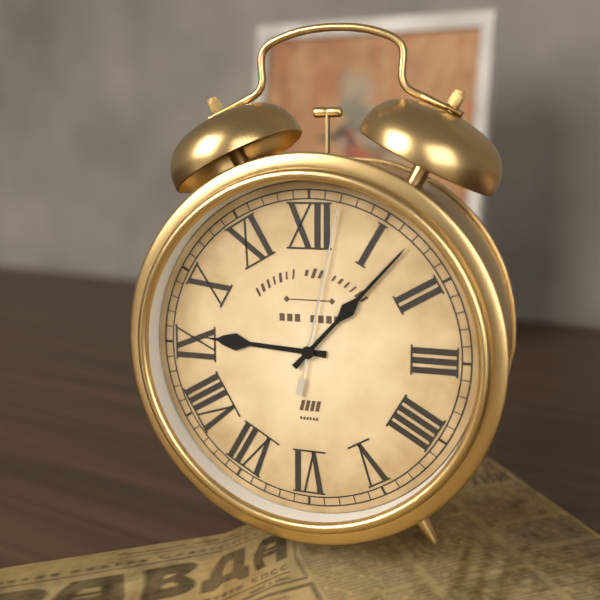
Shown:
h=9 m=7 s=2
